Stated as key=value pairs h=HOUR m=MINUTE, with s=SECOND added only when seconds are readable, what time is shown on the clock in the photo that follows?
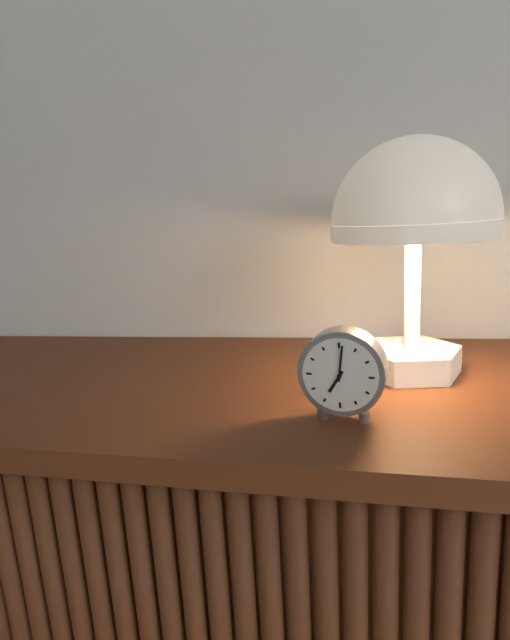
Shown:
h=7 m=1
